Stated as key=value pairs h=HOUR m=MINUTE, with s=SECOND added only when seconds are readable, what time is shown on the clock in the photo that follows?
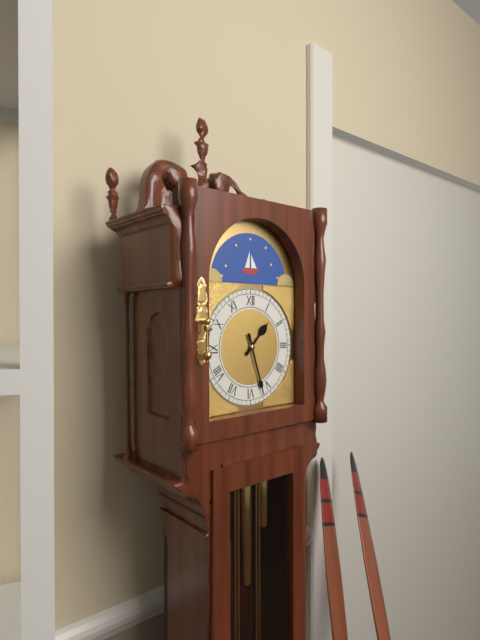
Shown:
h=1 m=27
